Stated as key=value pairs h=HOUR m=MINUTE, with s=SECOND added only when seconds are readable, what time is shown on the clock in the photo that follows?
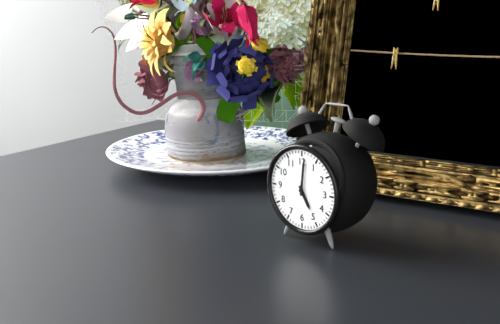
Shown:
h=5 m=1
